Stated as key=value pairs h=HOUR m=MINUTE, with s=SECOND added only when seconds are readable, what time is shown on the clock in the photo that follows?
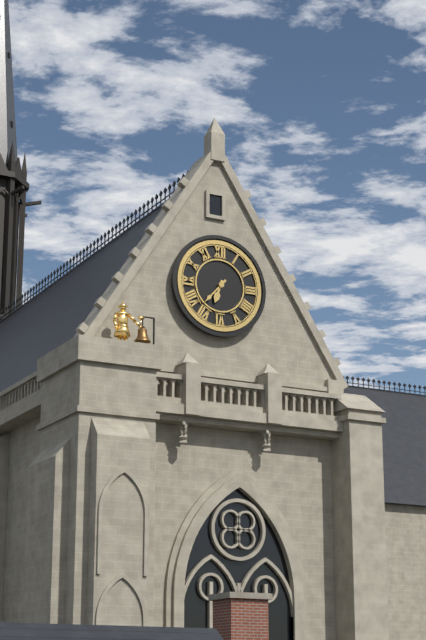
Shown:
h=6 m=37
